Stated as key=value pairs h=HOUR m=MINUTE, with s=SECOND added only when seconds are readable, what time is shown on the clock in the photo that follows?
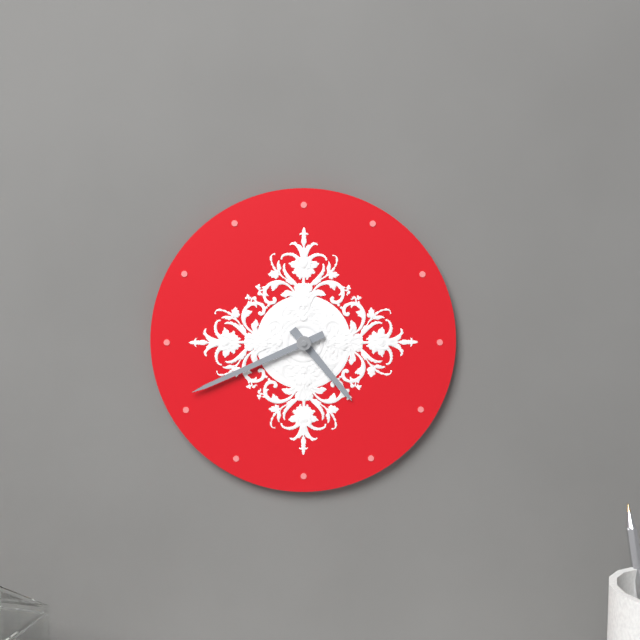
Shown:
h=4 m=41
